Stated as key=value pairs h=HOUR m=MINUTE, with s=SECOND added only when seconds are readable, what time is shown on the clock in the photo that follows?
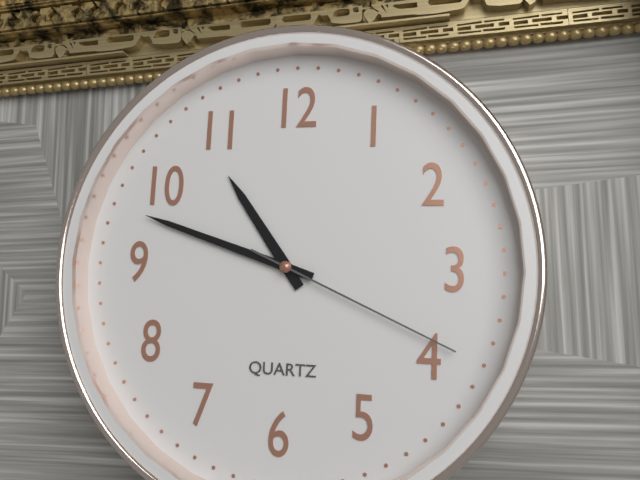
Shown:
h=10 m=48 s=19
